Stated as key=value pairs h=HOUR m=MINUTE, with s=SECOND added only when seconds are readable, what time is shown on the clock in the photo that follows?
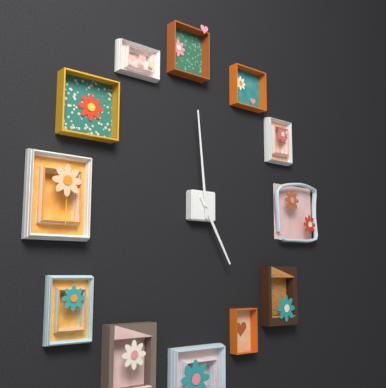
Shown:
h=4 m=59
